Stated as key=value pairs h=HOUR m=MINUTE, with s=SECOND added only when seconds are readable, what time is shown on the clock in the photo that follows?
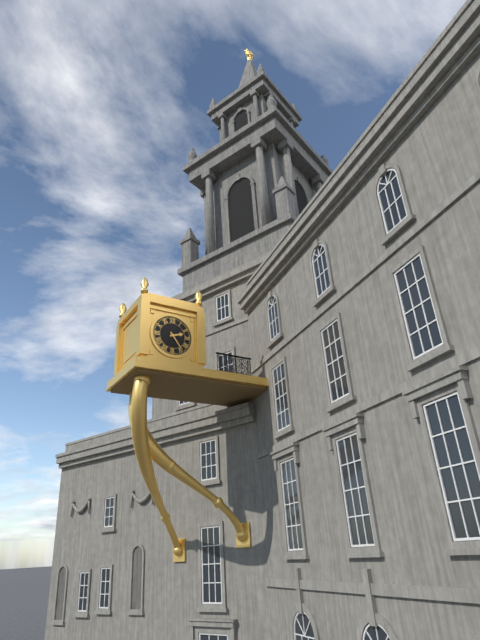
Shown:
h=2 m=24
